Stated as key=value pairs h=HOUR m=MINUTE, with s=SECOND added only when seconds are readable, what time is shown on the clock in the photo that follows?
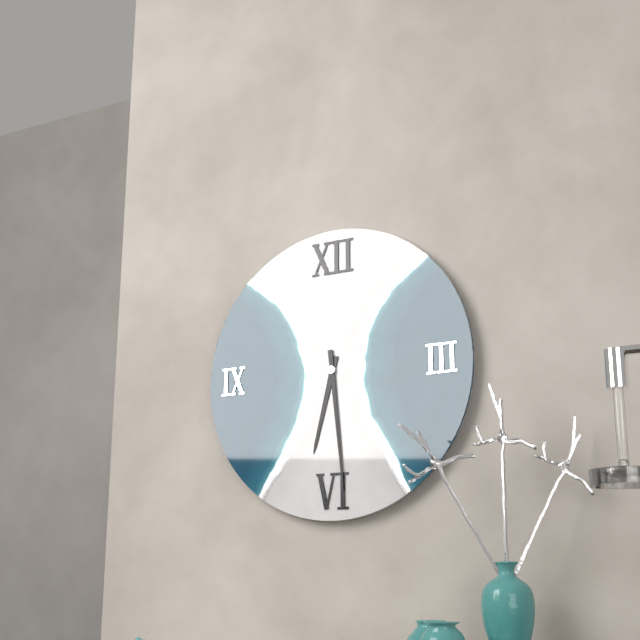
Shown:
h=6 m=29
